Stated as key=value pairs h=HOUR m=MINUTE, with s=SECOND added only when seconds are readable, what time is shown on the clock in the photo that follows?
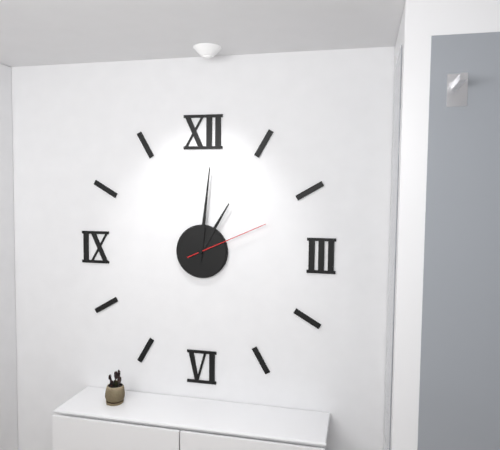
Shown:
h=1 m=1 s=11
